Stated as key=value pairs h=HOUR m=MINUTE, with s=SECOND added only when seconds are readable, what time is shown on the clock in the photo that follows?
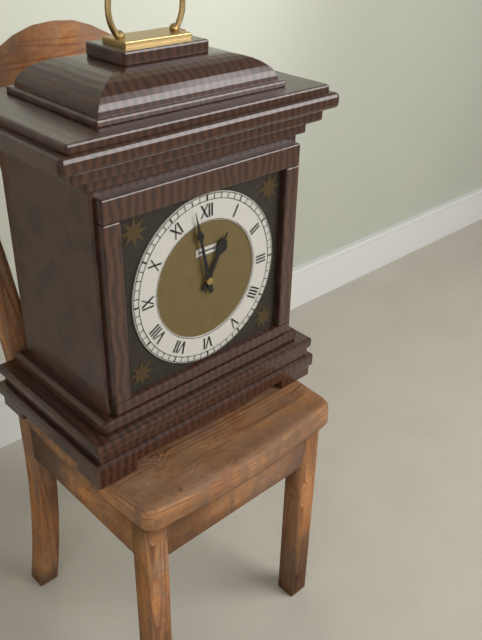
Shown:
h=12 m=58
